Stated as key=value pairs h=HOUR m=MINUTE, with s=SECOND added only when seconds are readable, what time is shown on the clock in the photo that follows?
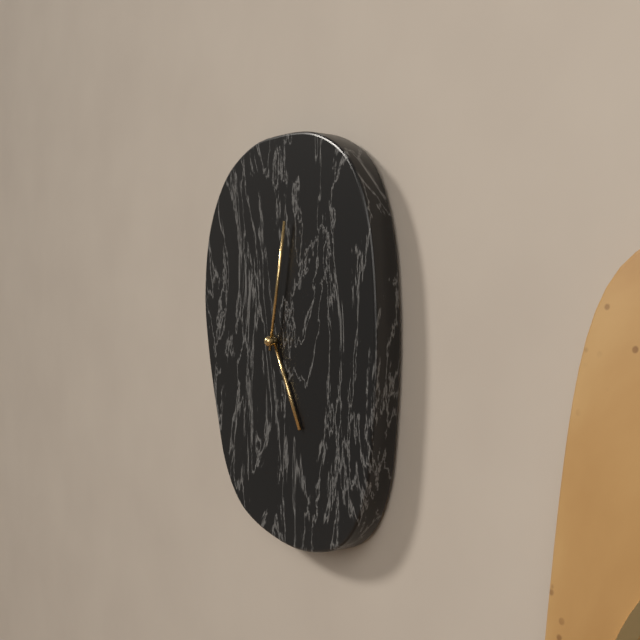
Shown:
h=5 m=2
